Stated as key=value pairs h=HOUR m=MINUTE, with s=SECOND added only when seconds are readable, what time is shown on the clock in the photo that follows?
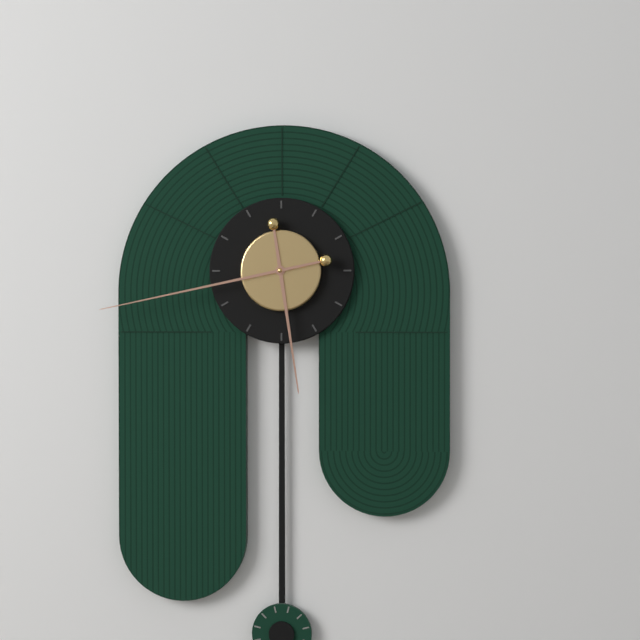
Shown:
h=5 m=43
